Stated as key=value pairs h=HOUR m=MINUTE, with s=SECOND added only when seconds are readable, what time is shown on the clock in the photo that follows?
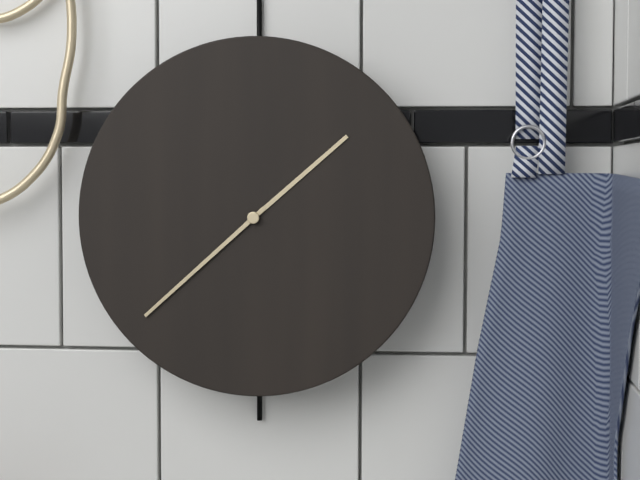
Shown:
h=1 m=38
